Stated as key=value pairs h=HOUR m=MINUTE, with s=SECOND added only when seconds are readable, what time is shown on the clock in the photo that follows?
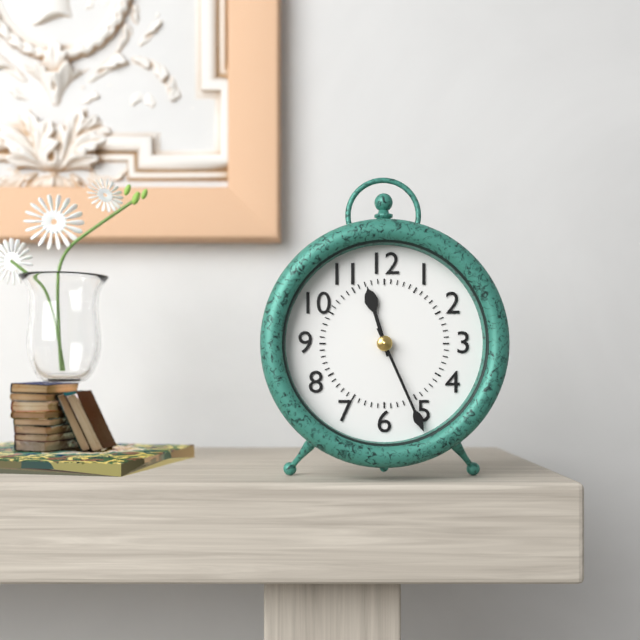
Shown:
h=11 m=26
